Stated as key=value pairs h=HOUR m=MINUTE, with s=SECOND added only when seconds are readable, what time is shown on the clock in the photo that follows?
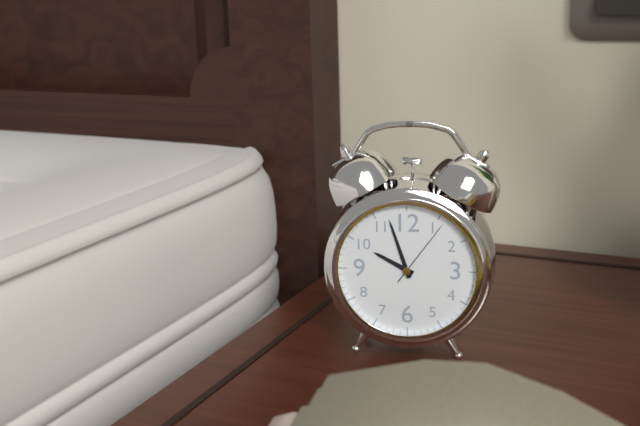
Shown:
h=9 m=57 s=6
